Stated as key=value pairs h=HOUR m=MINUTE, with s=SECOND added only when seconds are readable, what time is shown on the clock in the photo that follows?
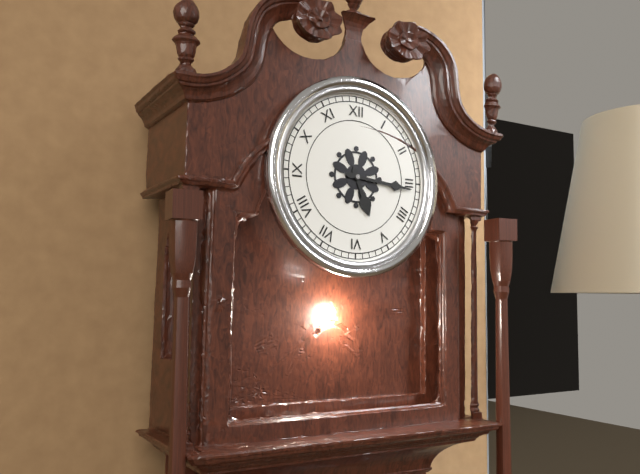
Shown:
h=5 m=16
